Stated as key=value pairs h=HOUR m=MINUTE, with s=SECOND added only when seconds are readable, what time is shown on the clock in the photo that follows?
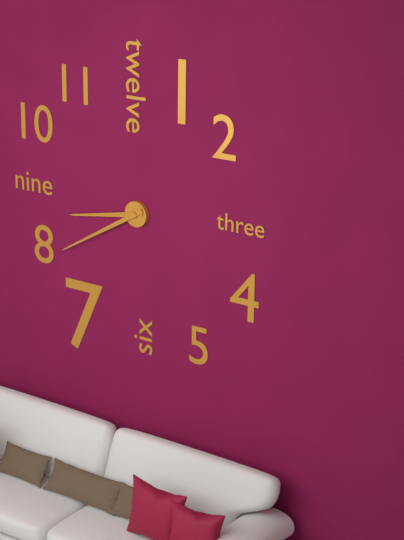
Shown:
h=8 m=40
